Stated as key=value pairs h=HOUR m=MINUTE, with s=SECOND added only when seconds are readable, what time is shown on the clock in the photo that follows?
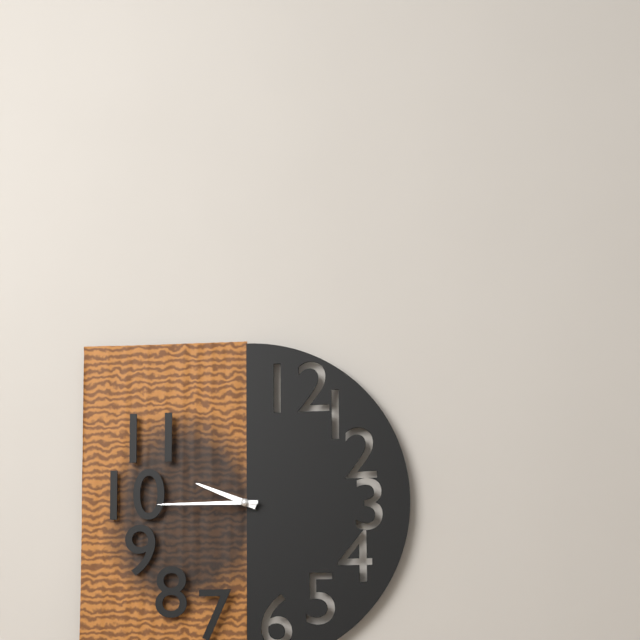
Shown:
h=9 m=45
